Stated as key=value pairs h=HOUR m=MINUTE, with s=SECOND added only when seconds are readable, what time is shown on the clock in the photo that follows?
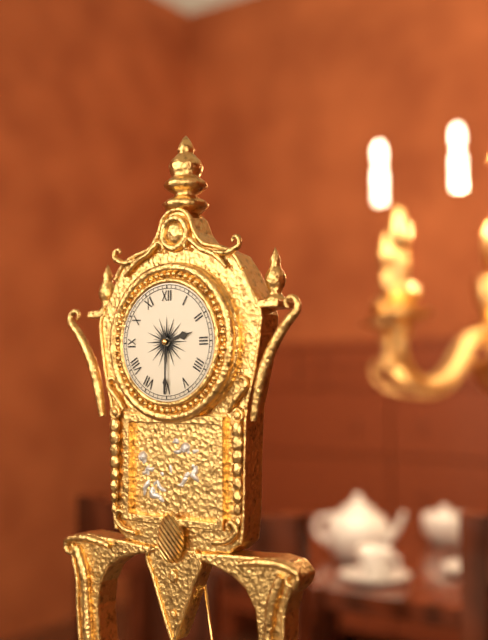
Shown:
h=2 m=30
